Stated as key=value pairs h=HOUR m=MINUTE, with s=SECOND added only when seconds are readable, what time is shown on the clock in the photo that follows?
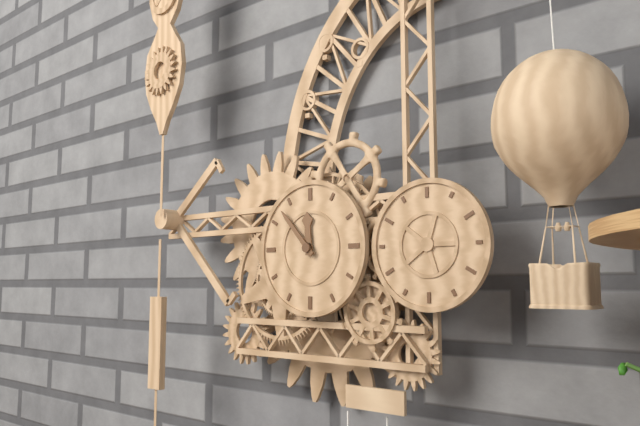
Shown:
h=11 m=53
